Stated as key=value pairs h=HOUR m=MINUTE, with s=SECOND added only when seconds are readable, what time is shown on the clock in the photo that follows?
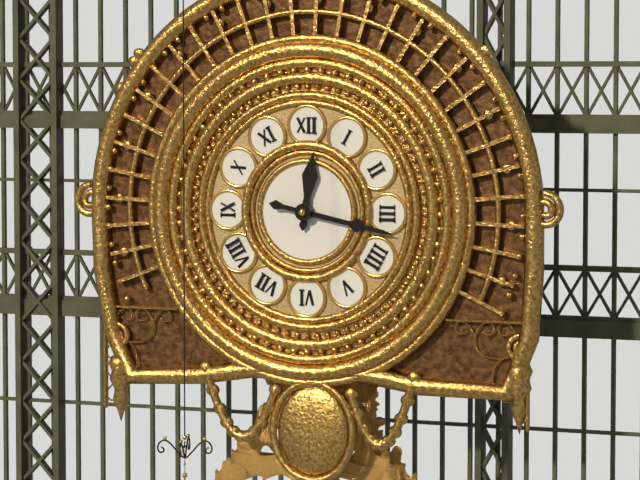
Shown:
h=12 m=17
